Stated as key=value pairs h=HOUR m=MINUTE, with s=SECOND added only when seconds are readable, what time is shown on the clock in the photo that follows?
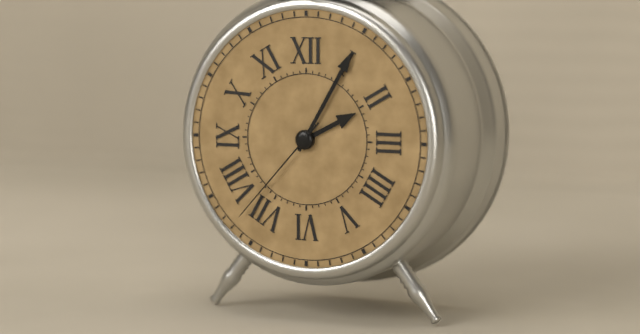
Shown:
h=2 m=5 s=37
